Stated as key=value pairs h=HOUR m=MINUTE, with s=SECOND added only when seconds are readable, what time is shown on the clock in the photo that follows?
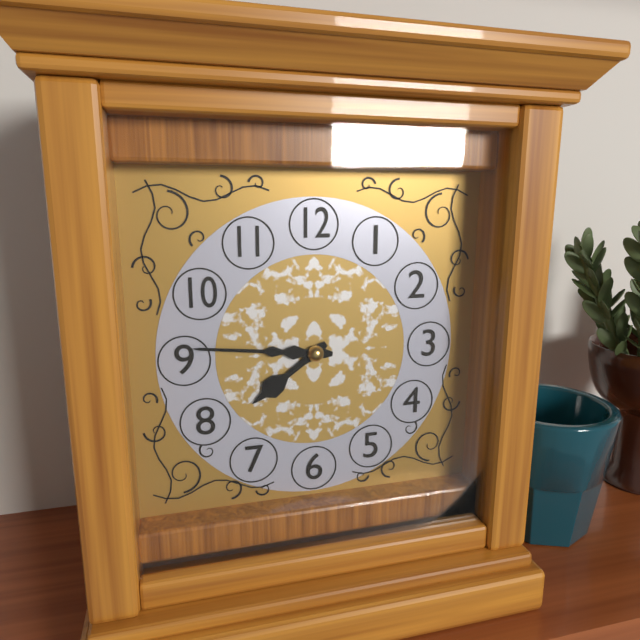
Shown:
h=7 m=46
